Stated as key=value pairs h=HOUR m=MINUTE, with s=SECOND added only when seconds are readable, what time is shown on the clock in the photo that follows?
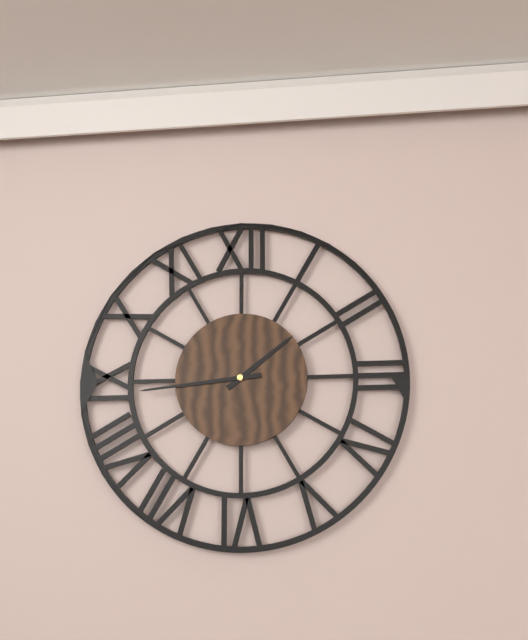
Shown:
h=1 m=44
